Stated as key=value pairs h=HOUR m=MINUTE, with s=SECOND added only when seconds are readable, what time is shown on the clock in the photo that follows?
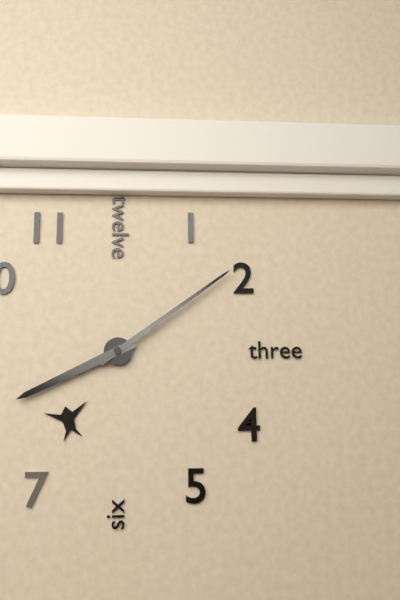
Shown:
h=8 m=9
